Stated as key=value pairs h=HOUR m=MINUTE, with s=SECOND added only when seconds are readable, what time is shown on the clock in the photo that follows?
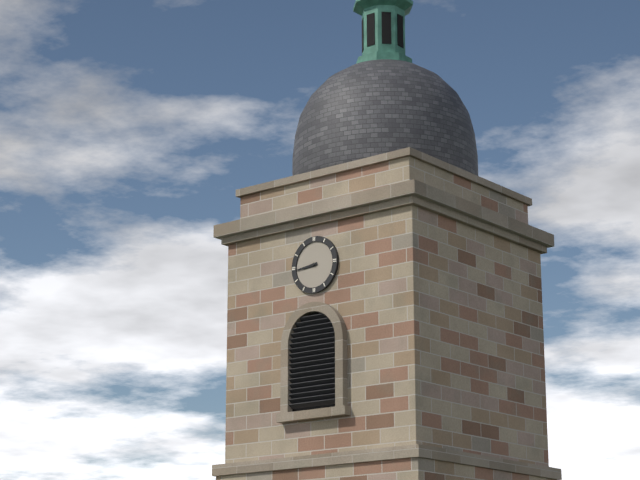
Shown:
h=8 m=44
